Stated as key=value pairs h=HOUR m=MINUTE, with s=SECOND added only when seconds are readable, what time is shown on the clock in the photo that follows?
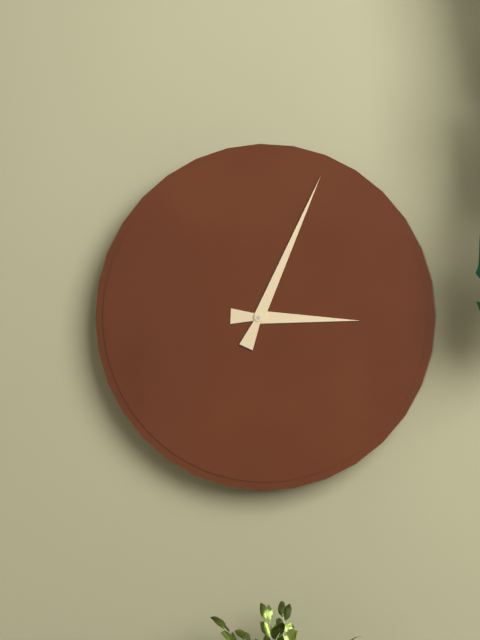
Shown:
h=3 m=4
